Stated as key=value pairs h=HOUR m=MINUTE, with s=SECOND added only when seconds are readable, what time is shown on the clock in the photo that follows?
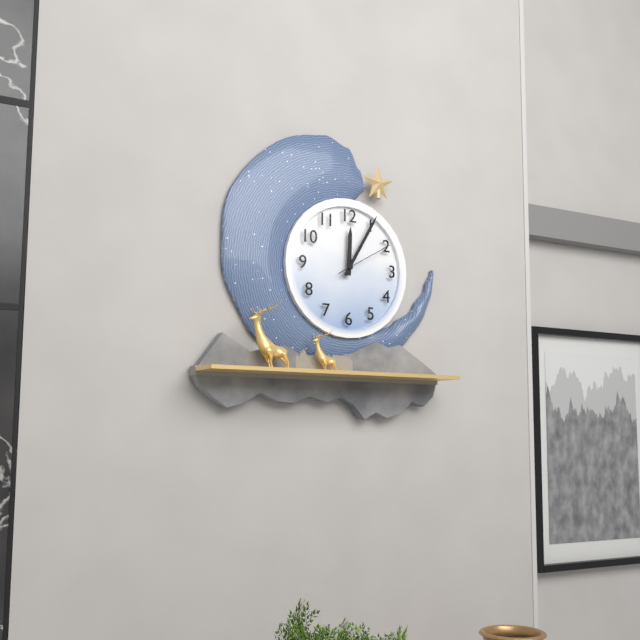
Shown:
h=12 m=5 s=10
